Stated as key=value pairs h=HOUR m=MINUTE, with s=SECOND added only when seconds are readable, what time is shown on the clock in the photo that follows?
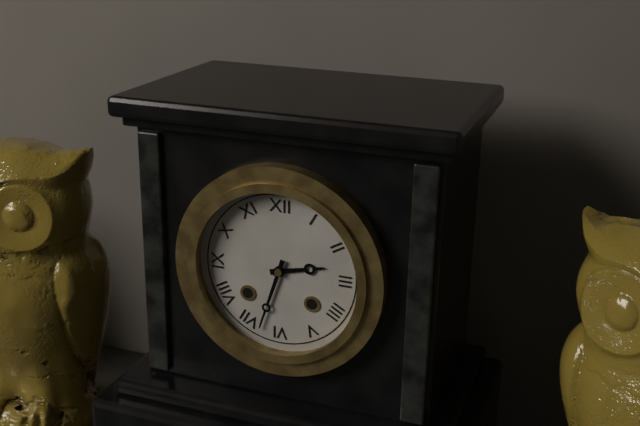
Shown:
h=2 m=33
